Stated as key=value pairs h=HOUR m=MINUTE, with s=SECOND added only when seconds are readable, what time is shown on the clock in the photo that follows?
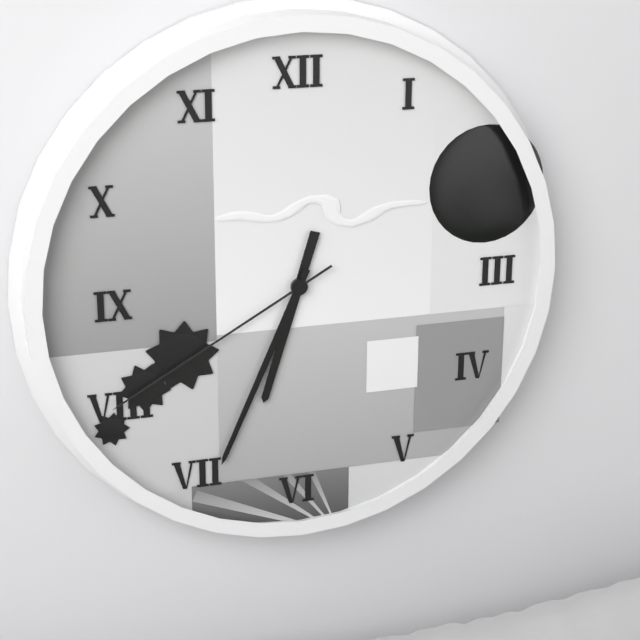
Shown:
h=6 m=34 s=40
